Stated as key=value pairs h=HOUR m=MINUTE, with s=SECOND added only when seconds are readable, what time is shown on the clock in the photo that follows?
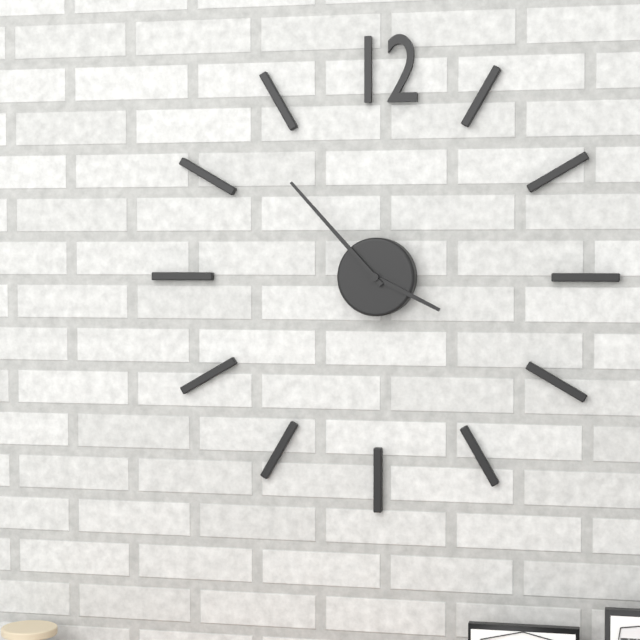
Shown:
h=3 m=53
